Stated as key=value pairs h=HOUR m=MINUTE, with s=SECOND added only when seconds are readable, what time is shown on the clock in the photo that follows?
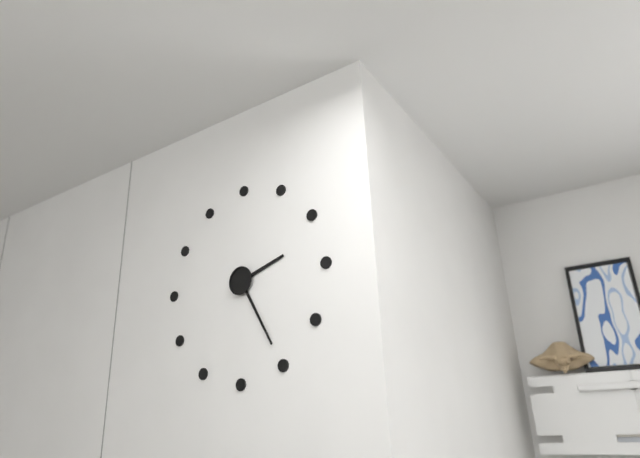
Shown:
h=2 m=25
